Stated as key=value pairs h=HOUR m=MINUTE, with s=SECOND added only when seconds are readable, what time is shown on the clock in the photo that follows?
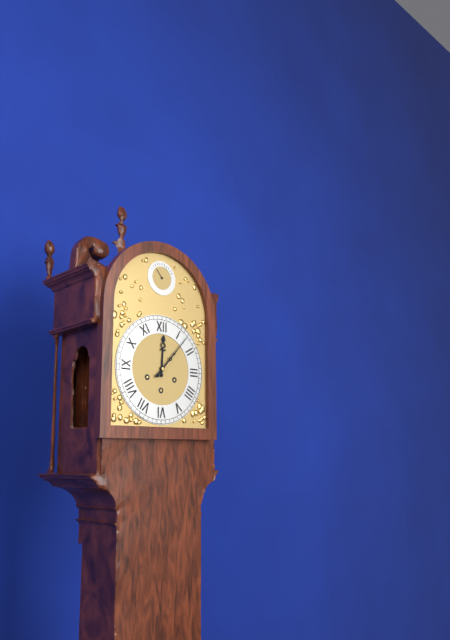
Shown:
h=12 m=7
